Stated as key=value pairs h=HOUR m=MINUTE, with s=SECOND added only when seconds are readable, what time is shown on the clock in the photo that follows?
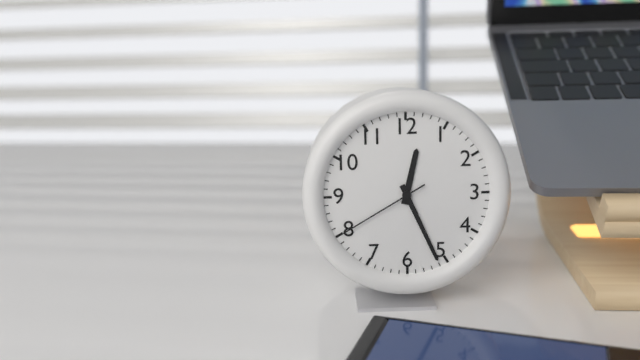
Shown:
h=12 m=26 s=40
